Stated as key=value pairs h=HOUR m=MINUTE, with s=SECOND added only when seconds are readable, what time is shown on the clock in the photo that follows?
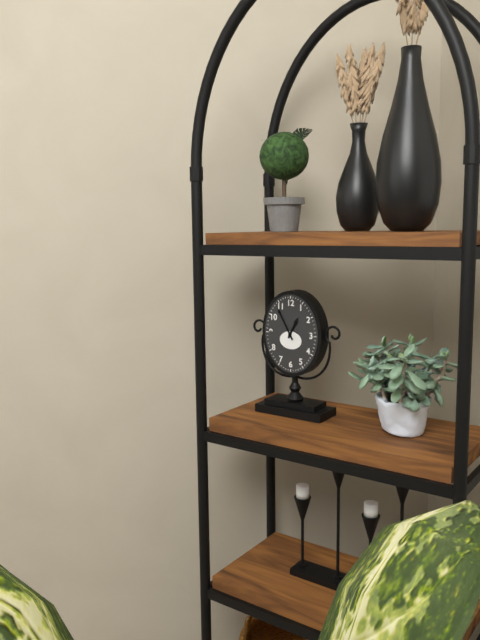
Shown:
h=12 m=55
